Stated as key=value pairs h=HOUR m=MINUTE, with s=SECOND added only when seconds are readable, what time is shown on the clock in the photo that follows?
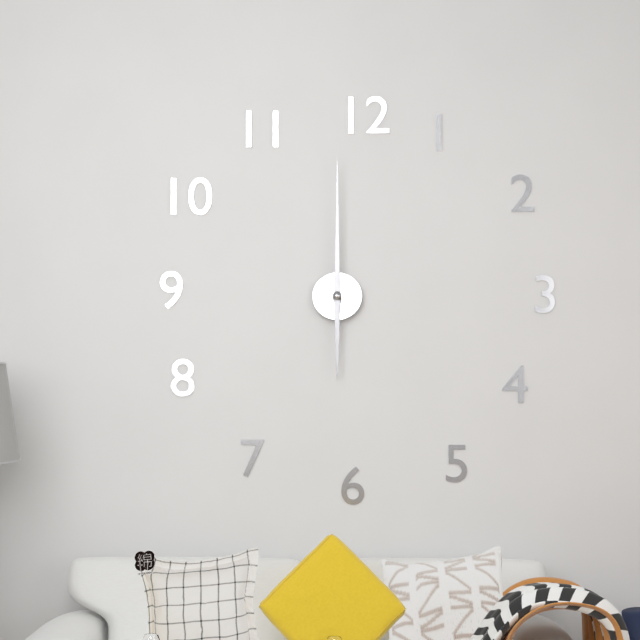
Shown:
h=6 m=0
